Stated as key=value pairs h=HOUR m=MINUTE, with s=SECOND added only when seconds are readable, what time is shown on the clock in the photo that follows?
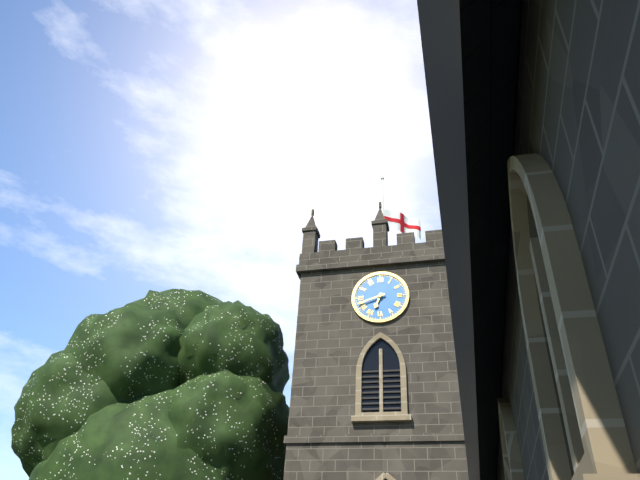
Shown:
h=6 m=42
